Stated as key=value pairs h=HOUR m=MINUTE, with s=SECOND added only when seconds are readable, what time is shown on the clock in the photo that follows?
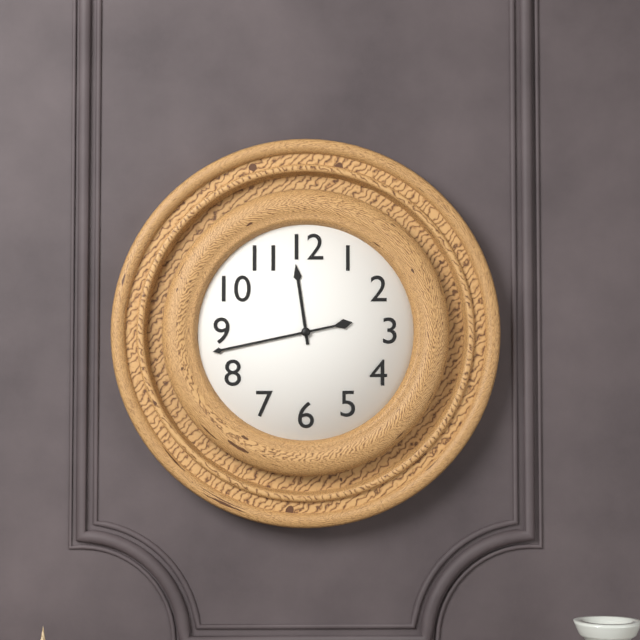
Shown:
h=11 m=43
